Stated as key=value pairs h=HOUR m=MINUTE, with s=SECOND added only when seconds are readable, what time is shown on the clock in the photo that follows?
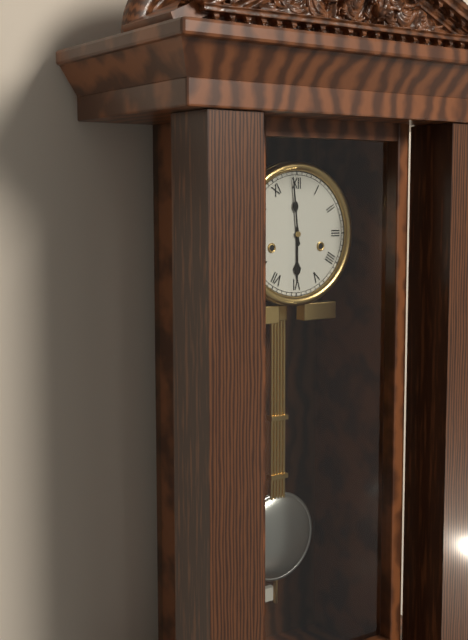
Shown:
h=5 m=59
